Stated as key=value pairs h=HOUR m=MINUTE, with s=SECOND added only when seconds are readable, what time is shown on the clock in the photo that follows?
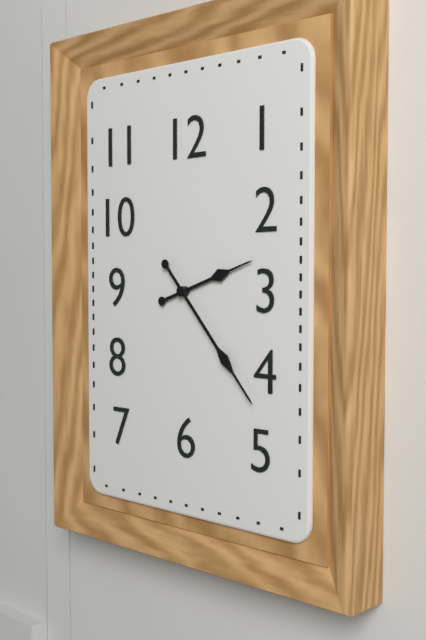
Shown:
h=2 m=23
